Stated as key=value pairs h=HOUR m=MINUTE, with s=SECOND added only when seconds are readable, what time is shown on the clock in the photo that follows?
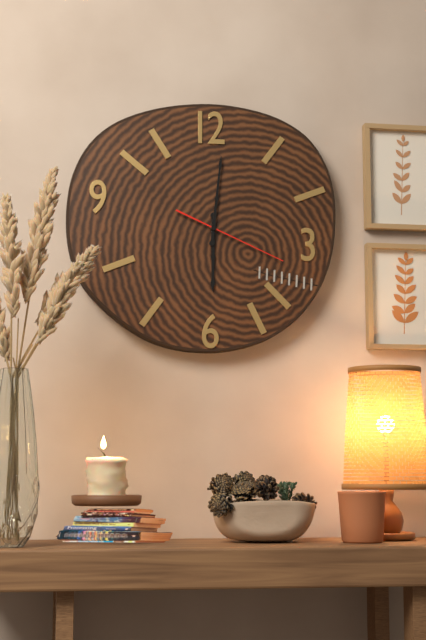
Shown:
h=6 m=1 s=19
